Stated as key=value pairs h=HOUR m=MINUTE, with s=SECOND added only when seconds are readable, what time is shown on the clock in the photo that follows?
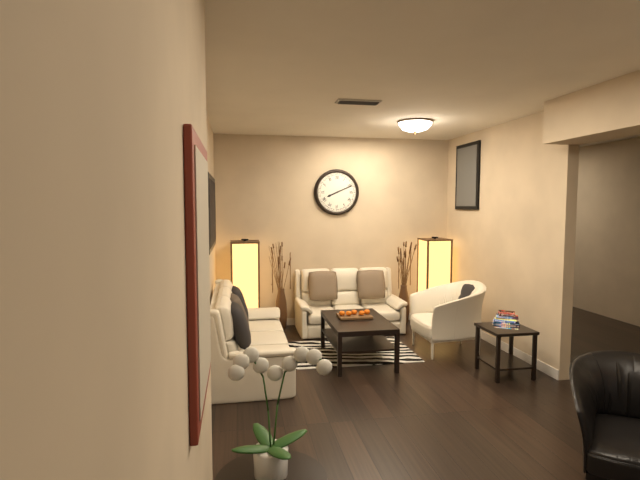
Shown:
h=8 m=11
